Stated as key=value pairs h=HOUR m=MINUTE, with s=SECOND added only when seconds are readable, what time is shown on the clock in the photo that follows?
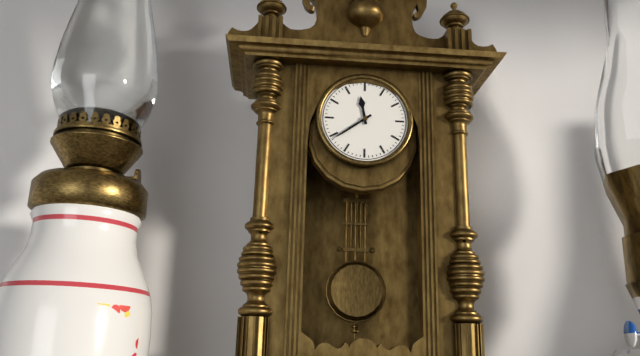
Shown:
h=11 m=39
